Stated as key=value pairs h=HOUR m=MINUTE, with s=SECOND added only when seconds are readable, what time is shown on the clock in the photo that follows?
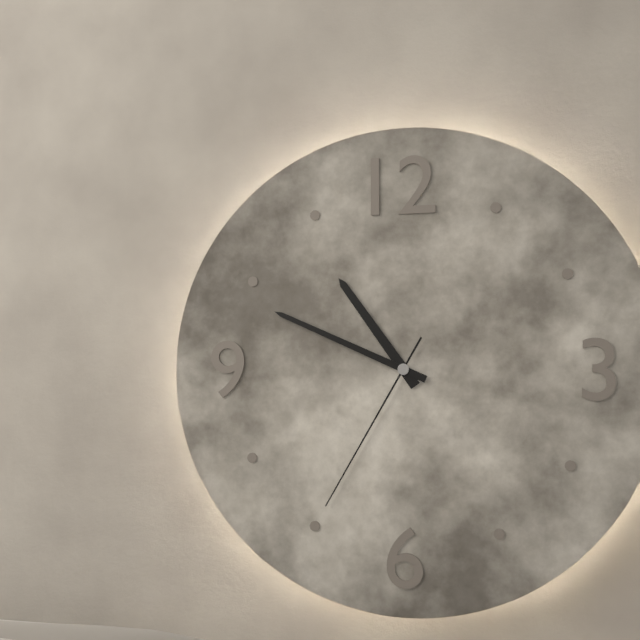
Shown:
h=10 m=49 s=35
